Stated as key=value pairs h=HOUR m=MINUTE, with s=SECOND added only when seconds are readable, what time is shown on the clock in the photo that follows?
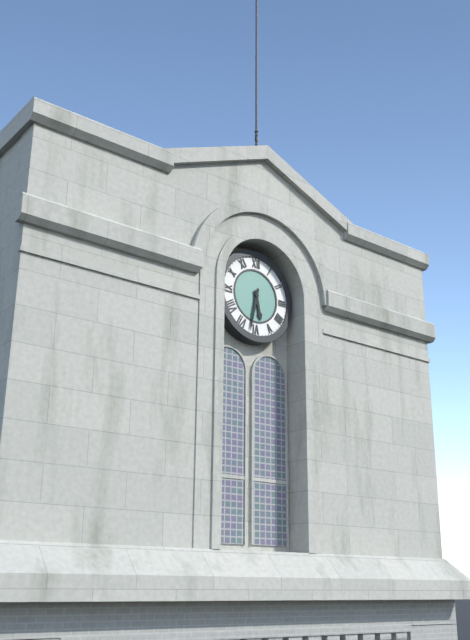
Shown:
h=5 m=32
